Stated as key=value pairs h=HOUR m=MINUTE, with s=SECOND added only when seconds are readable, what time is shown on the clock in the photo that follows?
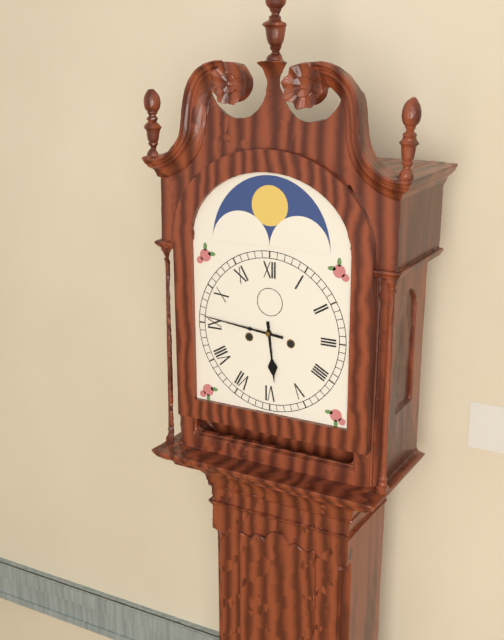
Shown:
h=5 m=46
